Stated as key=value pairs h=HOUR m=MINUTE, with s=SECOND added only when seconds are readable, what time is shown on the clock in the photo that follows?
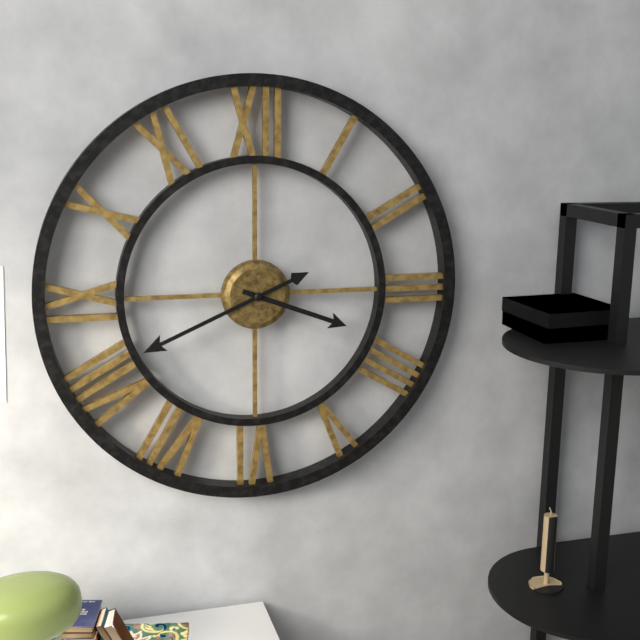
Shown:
h=3 m=41
